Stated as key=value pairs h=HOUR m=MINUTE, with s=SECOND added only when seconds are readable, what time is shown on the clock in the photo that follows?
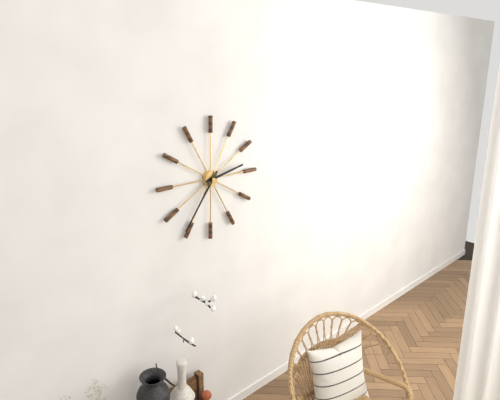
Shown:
h=2 m=36
